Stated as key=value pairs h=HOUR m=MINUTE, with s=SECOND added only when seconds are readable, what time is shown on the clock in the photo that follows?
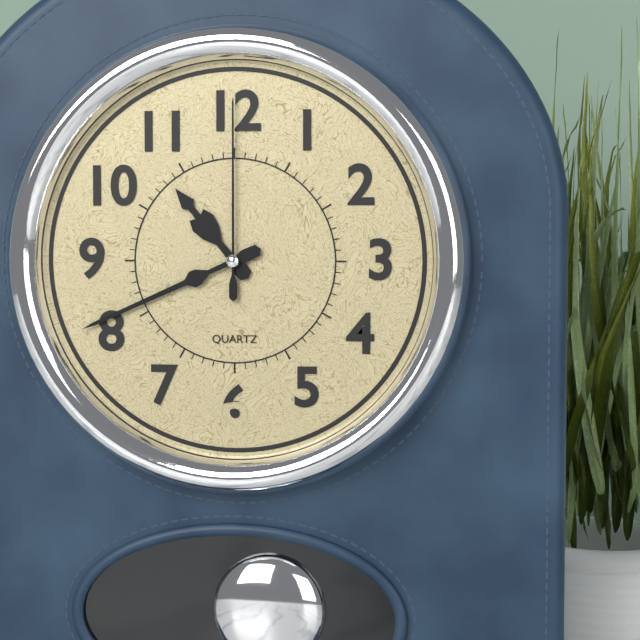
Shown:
h=10 m=41 s=0
